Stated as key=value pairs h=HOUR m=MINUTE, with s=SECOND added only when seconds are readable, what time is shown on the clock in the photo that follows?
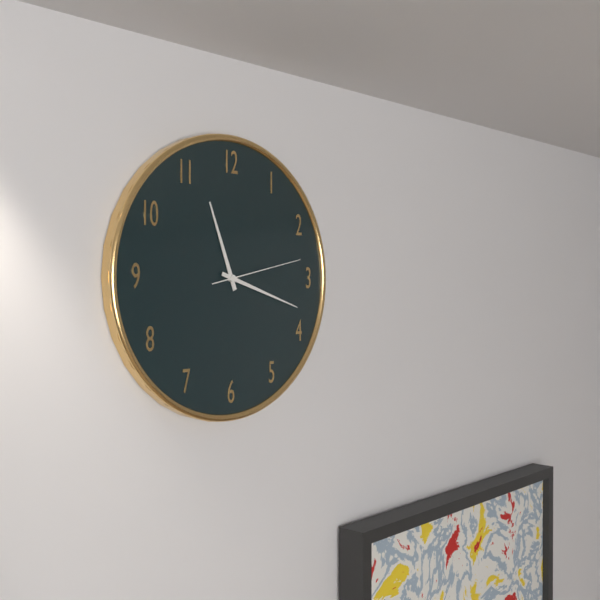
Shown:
h=11 m=18 s=13
